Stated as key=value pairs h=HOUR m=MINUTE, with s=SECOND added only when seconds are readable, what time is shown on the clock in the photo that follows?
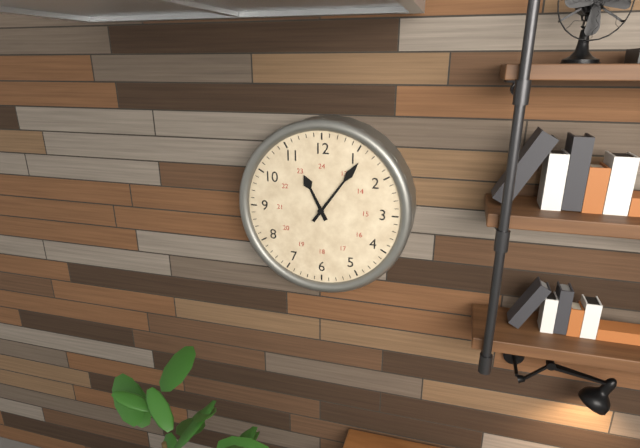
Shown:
h=11 m=6
